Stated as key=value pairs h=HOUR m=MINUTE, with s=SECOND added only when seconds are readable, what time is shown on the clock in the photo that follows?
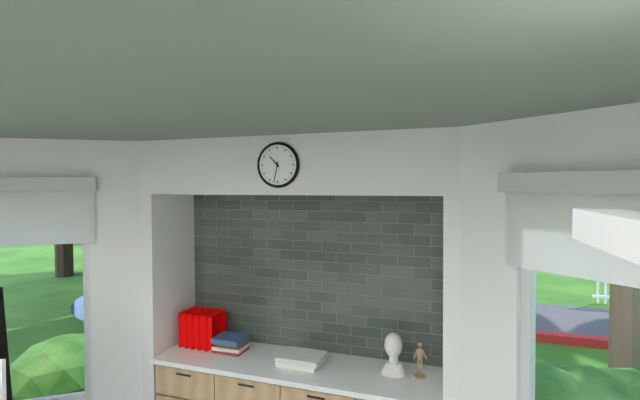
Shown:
h=10 m=32
